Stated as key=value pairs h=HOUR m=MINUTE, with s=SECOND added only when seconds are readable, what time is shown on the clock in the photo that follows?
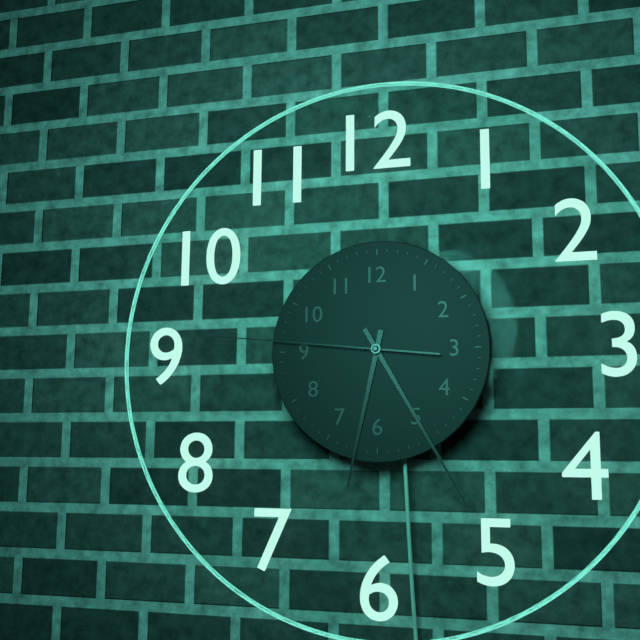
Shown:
h=6 m=25 s=46
